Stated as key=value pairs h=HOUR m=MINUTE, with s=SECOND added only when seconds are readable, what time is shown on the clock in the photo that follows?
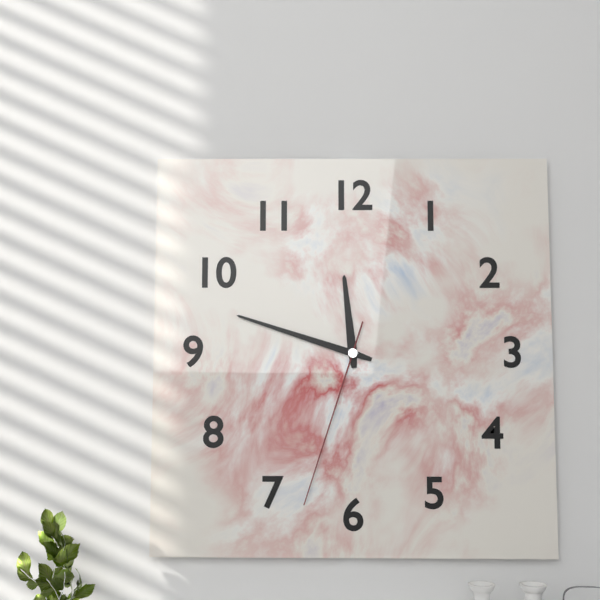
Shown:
h=11 m=48 s=33
